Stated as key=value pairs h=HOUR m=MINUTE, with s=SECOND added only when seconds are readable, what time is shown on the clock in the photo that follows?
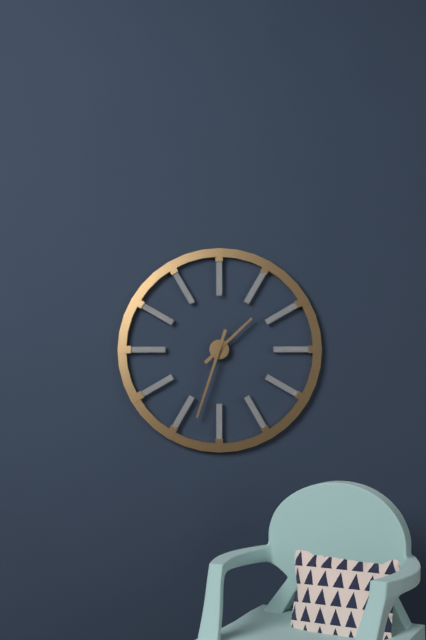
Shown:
h=1 m=33
